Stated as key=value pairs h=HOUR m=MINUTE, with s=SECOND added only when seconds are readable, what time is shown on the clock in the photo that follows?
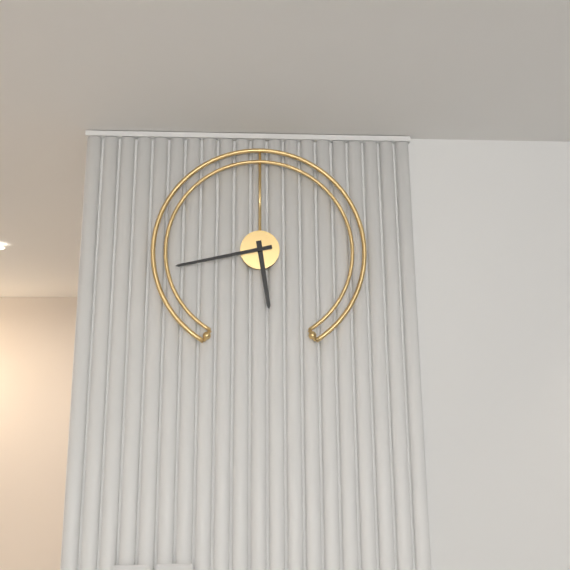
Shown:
h=5 m=43
